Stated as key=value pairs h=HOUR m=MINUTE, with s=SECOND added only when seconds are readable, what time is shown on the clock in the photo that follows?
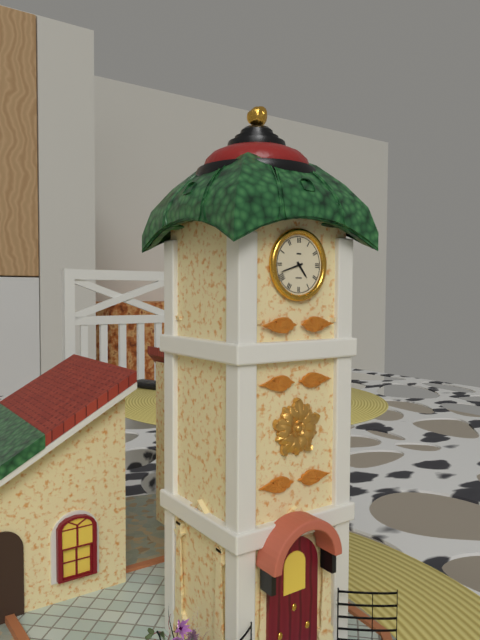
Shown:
h=4 m=42
